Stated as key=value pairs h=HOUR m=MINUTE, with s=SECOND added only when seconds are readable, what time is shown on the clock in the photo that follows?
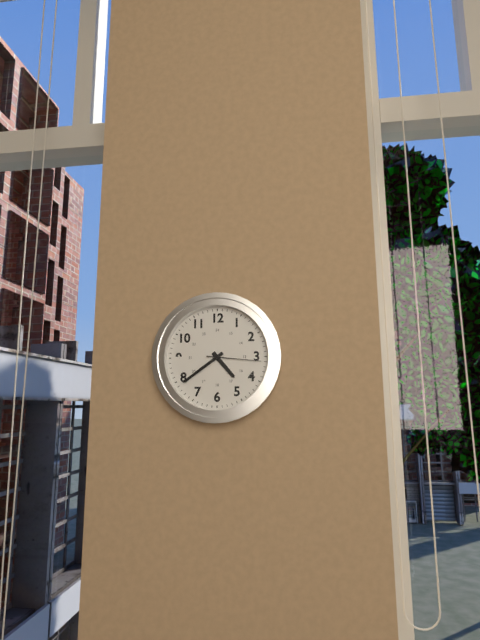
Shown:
h=4 m=39 s=16
